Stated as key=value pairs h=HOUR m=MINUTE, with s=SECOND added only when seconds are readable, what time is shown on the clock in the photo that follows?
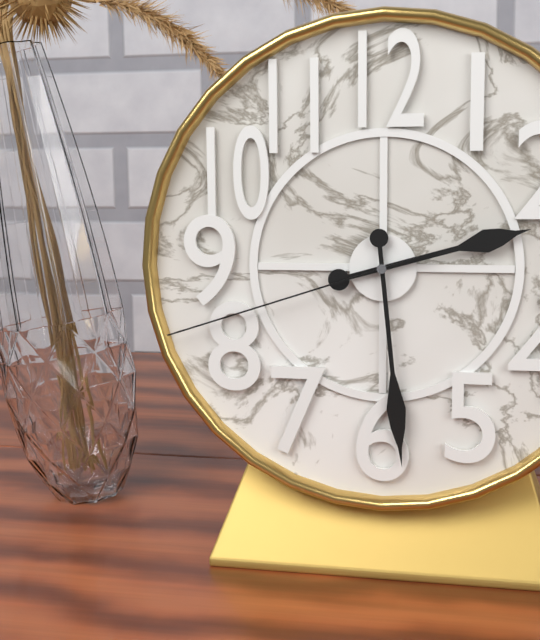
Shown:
h=2 m=29 s=42
